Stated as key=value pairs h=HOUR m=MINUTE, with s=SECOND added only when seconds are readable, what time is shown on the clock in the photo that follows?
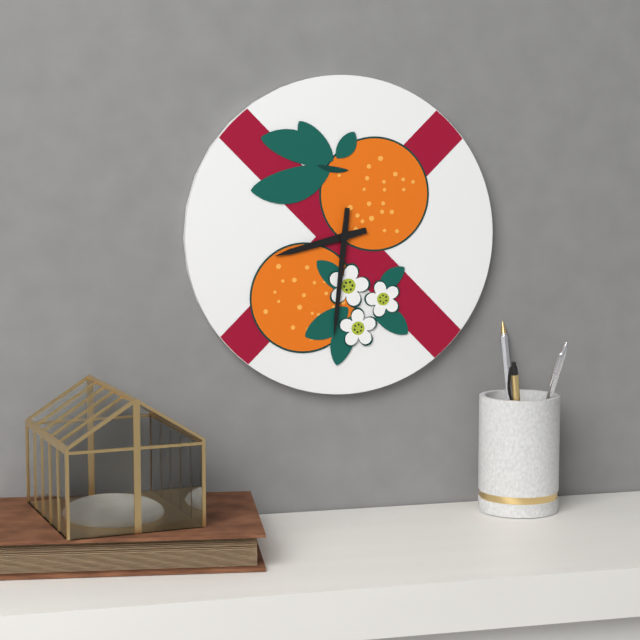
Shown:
h=8 m=31
